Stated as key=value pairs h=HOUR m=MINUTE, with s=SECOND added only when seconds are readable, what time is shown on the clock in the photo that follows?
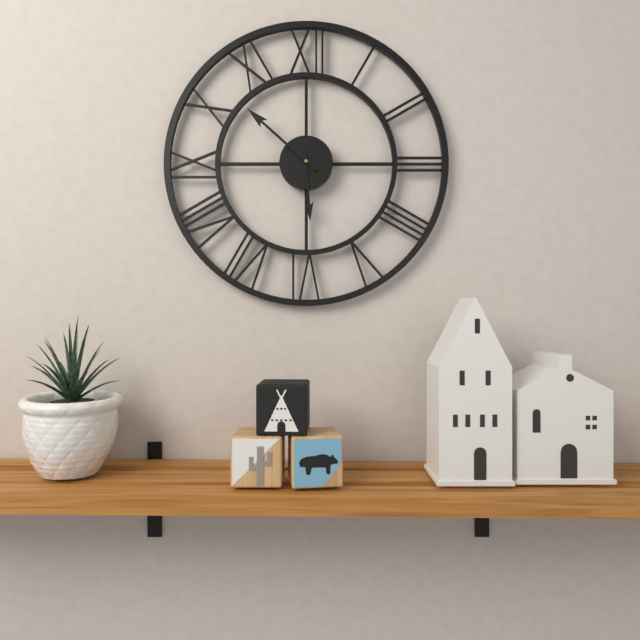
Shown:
h=5 m=52
